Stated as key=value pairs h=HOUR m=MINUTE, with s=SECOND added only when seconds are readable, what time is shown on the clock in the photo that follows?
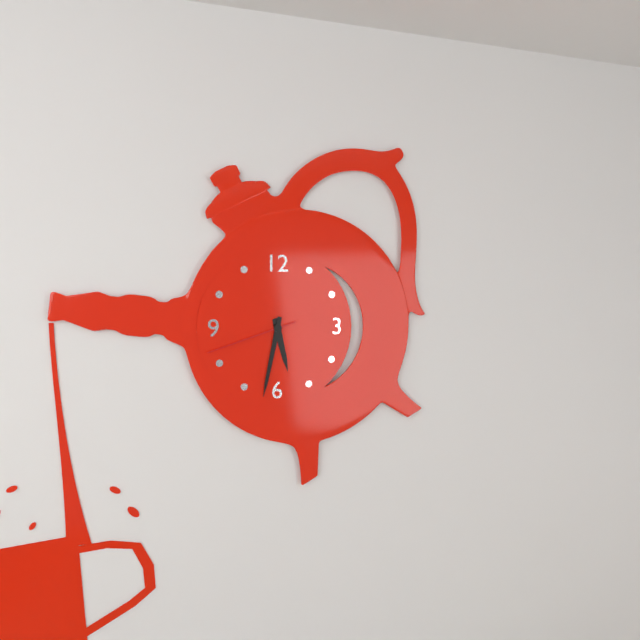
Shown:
h=5 m=32 s=42
